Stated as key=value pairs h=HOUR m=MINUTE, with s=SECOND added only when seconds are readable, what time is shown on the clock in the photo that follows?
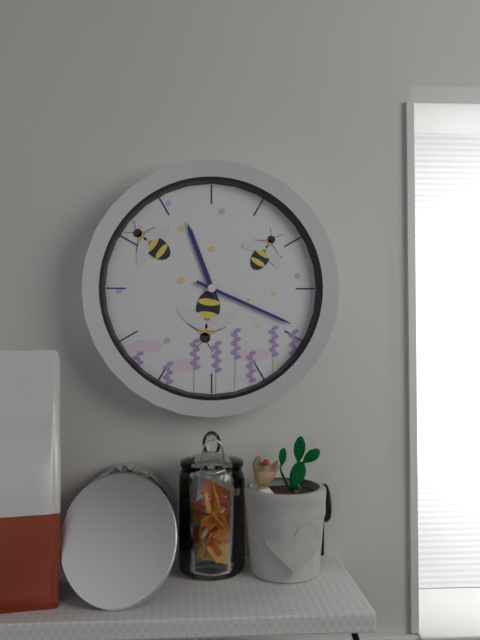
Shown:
h=11 m=19
